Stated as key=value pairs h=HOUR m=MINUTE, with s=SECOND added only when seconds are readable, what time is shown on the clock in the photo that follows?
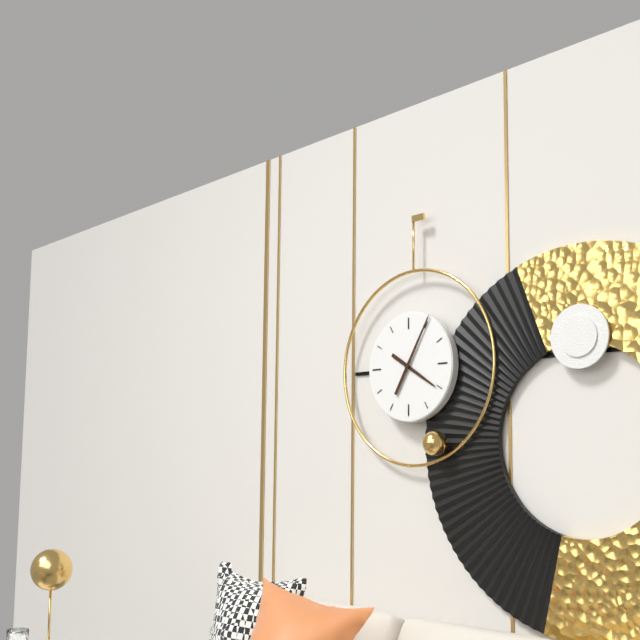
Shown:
h=4 m=5
